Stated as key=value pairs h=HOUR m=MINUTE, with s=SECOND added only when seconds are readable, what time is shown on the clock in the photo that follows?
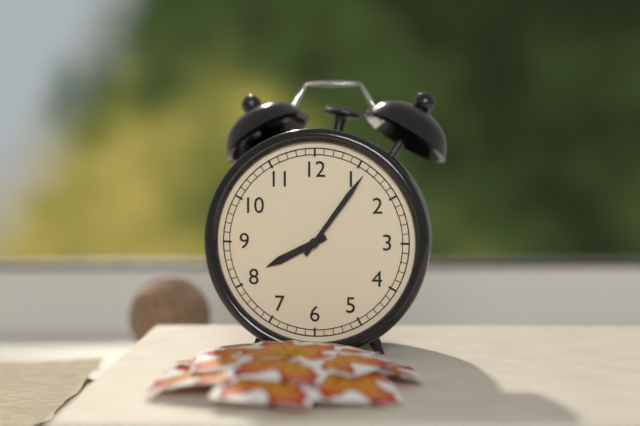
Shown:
h=8 m=6
